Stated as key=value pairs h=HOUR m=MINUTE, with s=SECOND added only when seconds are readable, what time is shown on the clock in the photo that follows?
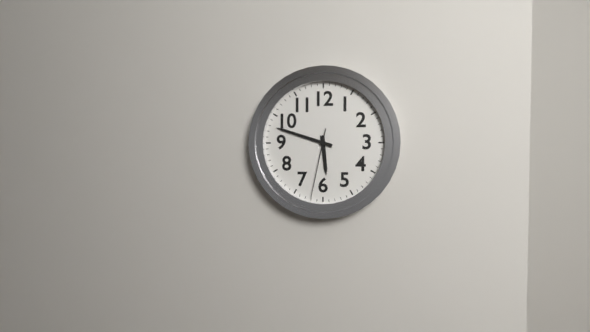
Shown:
h=5 m=48 s=32
